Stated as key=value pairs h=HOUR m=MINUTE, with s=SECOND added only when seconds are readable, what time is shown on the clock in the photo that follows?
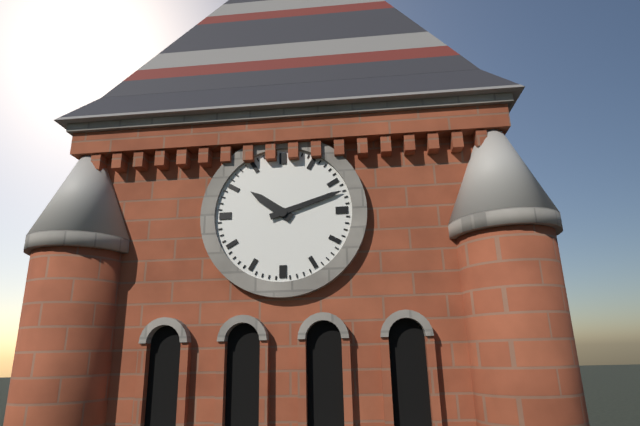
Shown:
h=10 m=12
